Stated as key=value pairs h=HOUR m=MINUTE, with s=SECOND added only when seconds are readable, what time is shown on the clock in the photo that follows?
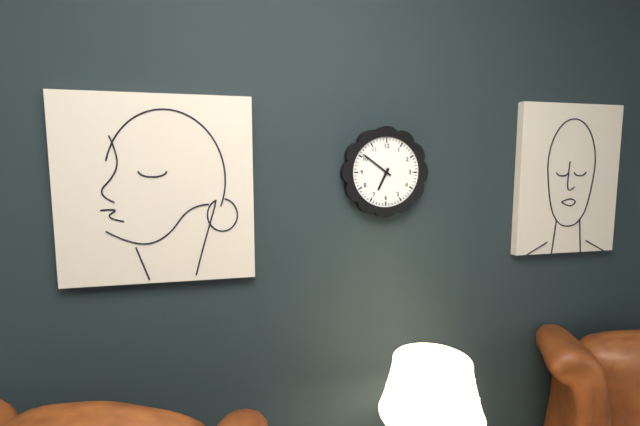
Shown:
h=6 m=51
